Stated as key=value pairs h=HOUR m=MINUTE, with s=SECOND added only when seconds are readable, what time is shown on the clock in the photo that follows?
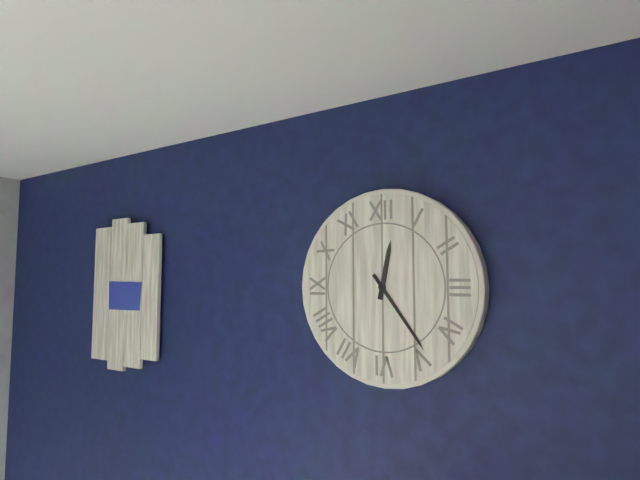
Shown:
h=12 m=24
